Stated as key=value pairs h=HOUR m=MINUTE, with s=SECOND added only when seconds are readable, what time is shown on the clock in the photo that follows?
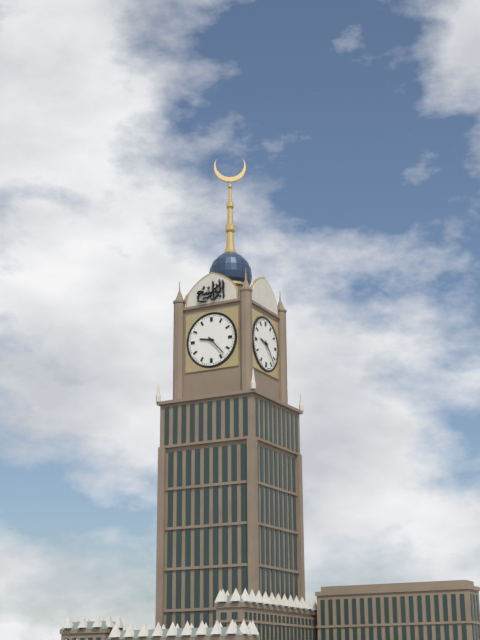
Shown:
h=9 m=23
